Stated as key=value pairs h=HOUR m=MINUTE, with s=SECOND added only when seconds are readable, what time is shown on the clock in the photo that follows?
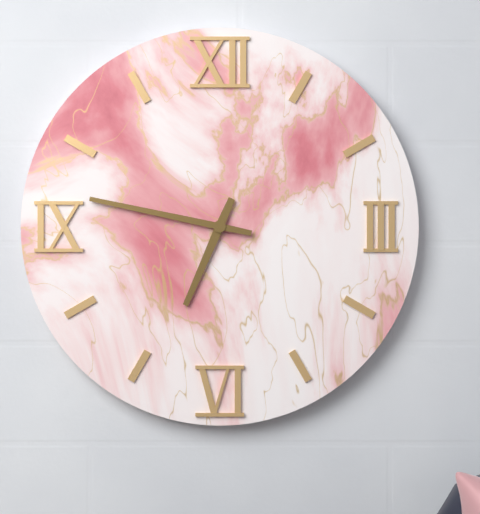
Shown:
h=6 m=47
